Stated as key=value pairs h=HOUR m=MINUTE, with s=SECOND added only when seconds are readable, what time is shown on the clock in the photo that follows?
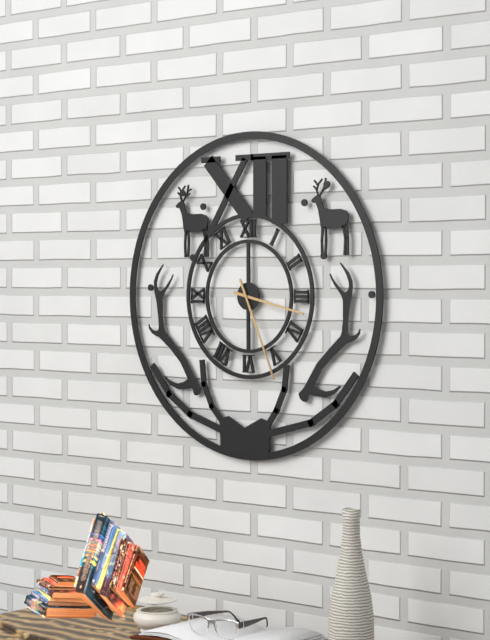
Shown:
h=3 m=26
